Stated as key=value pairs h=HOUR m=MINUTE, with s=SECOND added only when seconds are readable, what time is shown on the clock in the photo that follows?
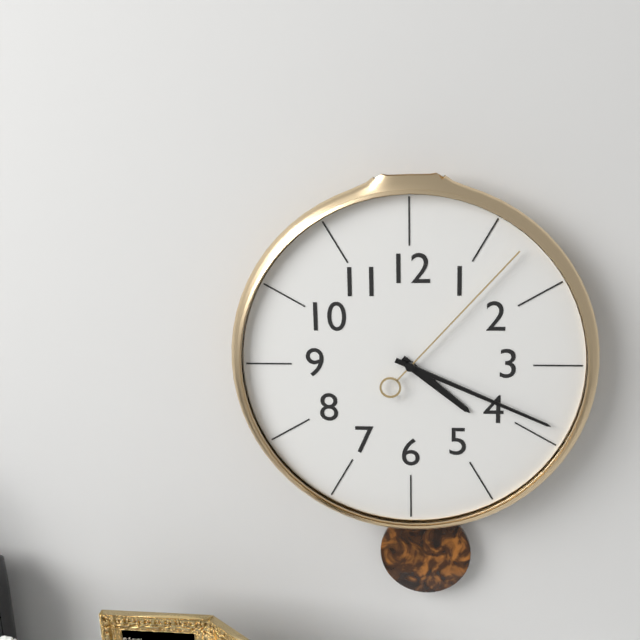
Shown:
h=4 m=19 s=7
